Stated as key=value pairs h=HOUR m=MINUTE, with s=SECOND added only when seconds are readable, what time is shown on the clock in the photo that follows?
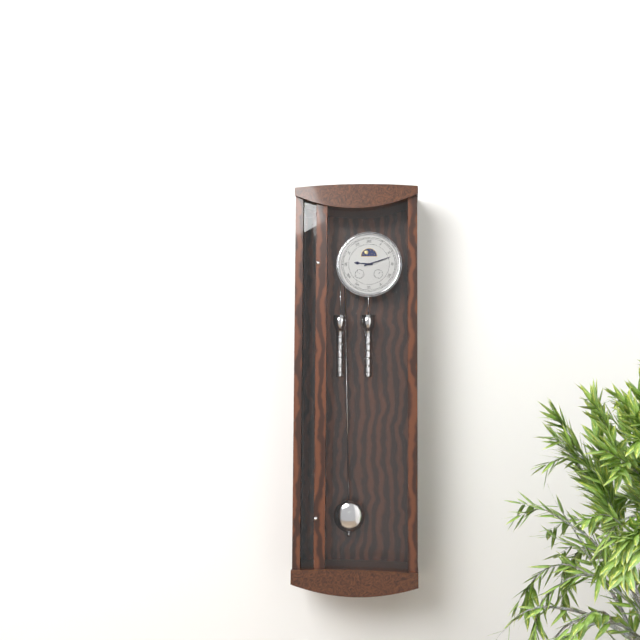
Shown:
h=9 m=12
